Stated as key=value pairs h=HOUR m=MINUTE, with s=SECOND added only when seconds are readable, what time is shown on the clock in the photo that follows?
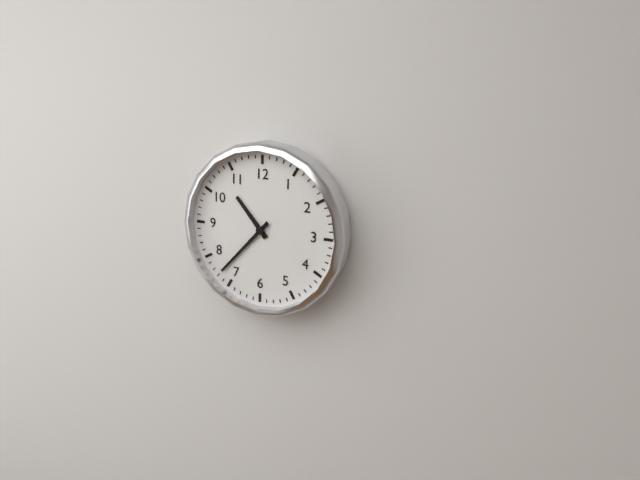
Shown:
h=10 m=37
